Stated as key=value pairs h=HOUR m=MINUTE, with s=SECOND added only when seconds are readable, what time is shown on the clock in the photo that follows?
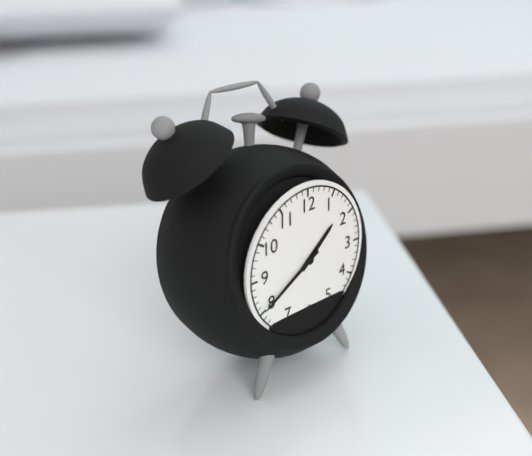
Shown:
h=1 m=40
